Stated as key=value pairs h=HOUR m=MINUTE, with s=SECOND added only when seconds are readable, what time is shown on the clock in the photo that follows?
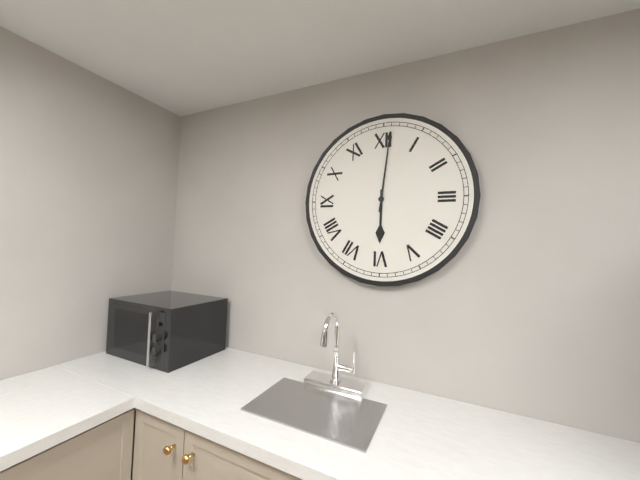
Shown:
h=6 m=1
